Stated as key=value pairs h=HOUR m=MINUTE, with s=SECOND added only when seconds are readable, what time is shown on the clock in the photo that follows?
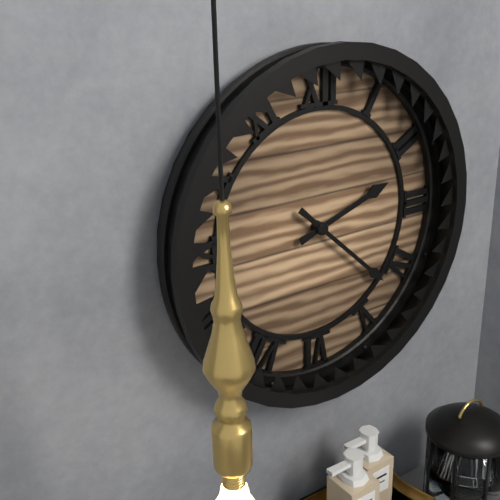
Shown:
h=2 m=22
